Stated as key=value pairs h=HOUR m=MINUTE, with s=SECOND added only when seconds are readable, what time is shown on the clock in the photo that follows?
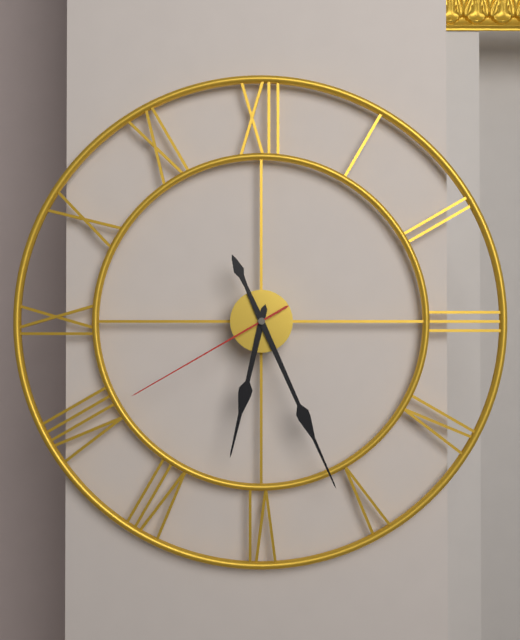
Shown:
h=6 m=26 s=40
